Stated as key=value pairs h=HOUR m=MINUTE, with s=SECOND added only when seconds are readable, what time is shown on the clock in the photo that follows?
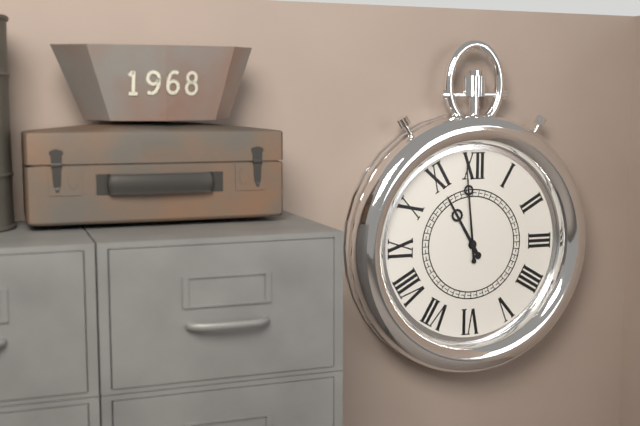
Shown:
h=10 m=59
